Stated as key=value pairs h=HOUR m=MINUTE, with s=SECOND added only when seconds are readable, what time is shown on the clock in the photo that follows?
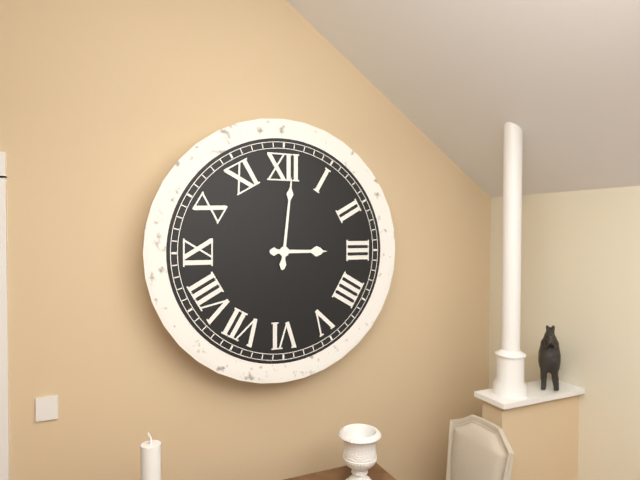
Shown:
h=3 m=1
